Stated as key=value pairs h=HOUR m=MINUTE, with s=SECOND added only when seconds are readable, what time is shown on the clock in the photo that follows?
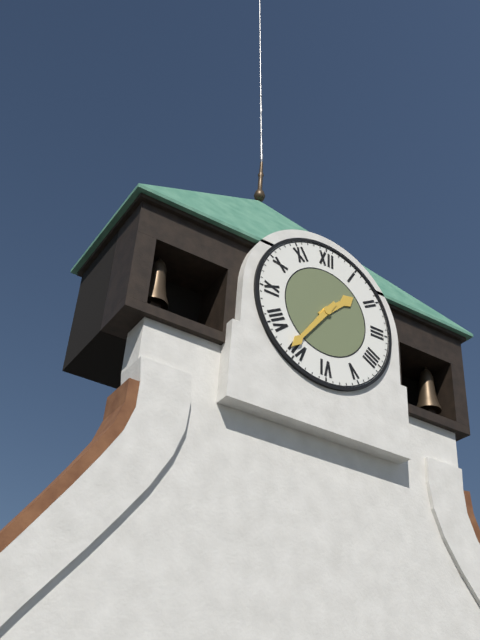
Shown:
h=1 m=36
